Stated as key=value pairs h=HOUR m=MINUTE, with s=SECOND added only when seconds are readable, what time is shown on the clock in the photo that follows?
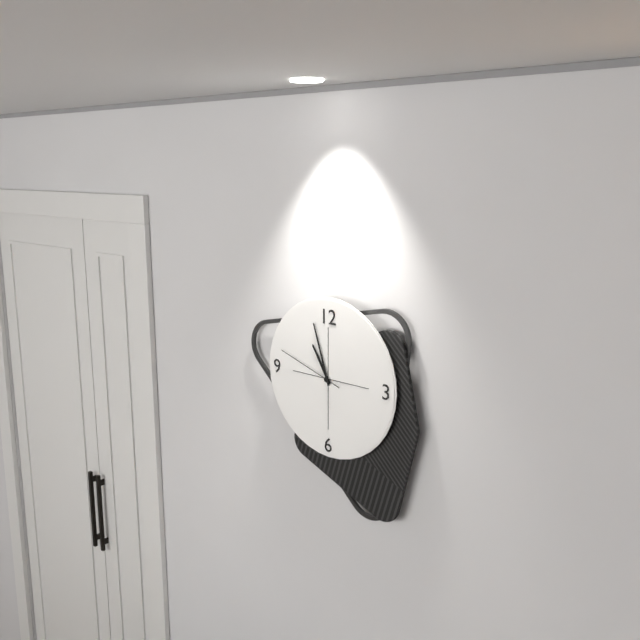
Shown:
h=10 m=57 s=48
